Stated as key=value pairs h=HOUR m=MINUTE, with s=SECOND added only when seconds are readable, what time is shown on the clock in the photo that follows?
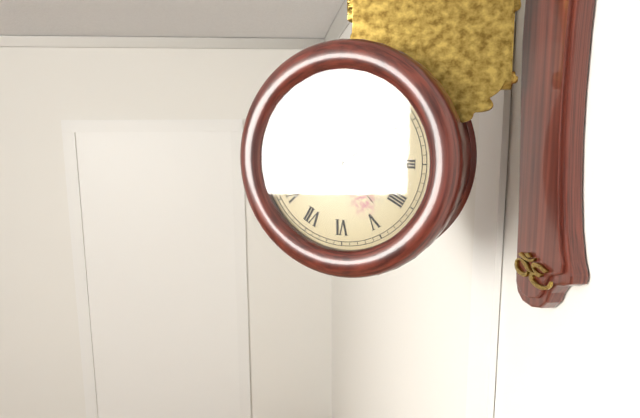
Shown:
h=2 m=3 s=23
